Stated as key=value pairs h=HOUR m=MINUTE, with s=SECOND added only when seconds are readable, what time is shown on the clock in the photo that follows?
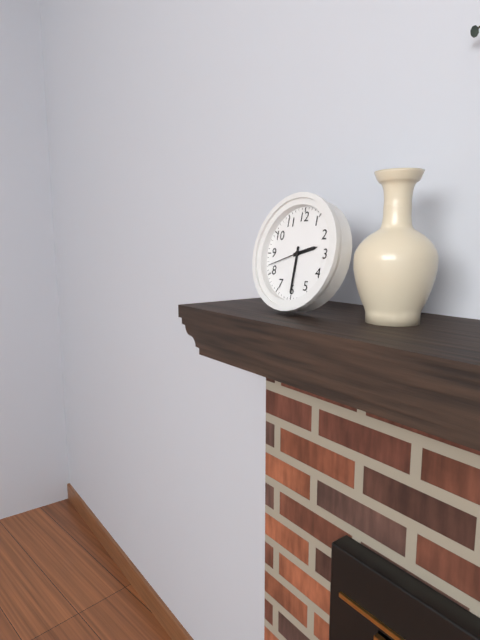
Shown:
h=2 m=30
